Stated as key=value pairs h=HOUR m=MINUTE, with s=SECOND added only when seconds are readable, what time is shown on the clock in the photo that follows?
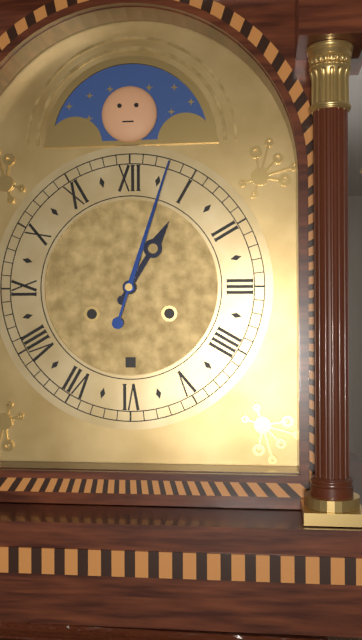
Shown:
h=1 m=3
